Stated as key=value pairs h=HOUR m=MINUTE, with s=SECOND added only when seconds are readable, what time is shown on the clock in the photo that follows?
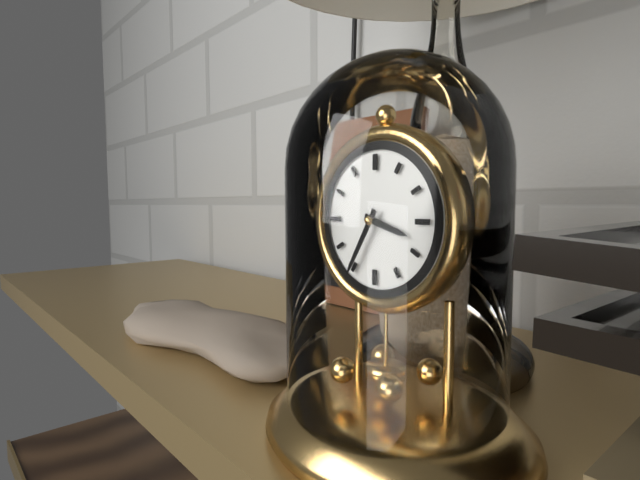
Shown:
h=3 m=35
